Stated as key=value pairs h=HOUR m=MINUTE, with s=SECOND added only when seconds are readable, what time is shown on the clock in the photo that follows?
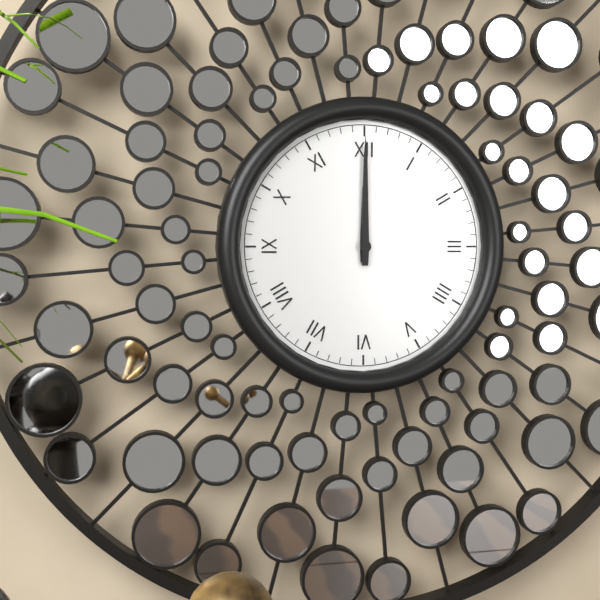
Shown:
h=12 m=0
